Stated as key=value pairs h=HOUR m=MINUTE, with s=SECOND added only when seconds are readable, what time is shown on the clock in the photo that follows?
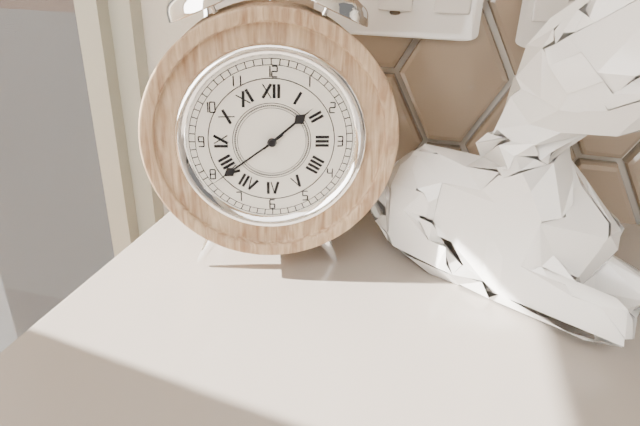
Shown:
h=1 m=39
